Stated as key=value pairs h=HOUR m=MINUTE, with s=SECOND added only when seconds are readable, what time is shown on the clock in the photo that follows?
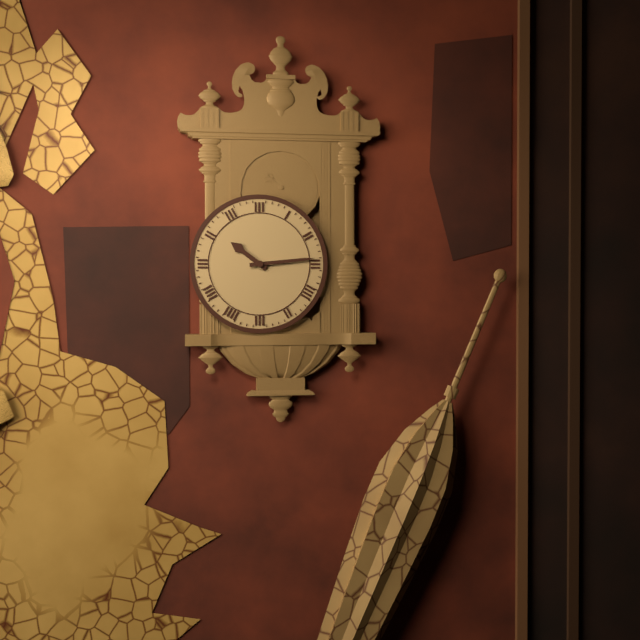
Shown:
h=10 m=14
